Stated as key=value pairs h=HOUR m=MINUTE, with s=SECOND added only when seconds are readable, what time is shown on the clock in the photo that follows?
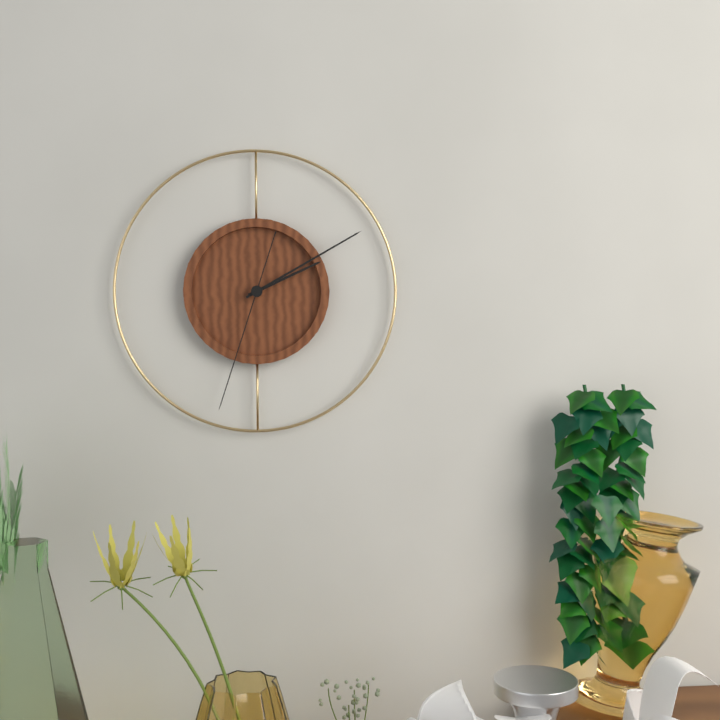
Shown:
h=2 m=10 s=33
